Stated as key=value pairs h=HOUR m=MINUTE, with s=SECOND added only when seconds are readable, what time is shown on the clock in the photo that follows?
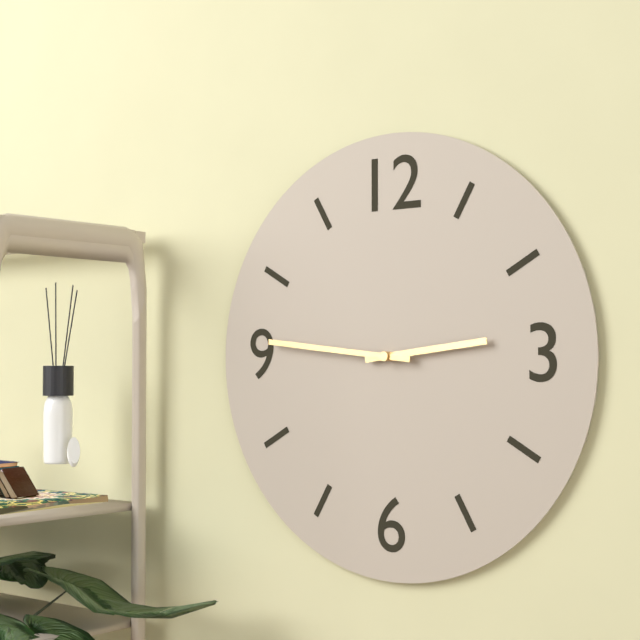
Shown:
h=2 m=46
